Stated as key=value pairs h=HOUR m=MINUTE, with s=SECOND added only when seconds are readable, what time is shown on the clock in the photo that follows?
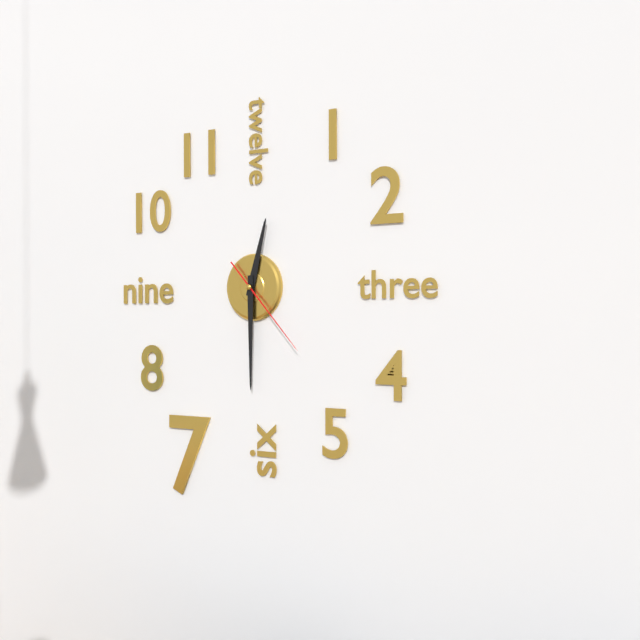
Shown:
h=12 m=30 s=23
